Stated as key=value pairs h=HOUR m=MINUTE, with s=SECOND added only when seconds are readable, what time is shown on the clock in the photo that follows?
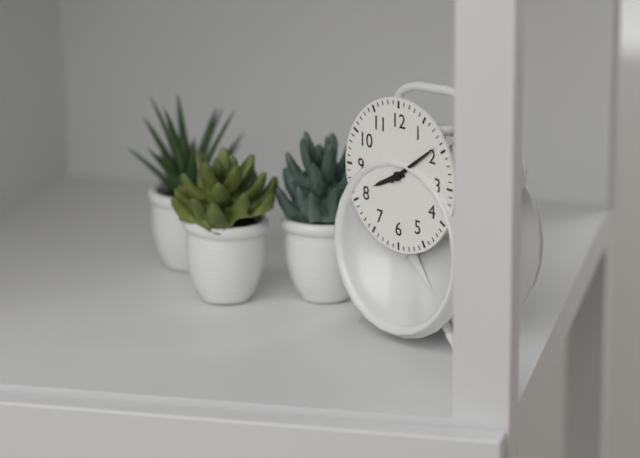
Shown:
h=8 m=9
